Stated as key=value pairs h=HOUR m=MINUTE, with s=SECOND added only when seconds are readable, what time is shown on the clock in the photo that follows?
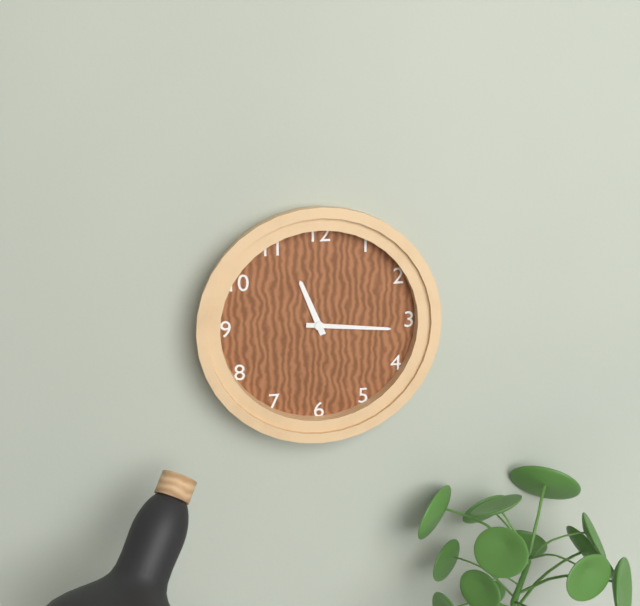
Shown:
h=11 m=16
